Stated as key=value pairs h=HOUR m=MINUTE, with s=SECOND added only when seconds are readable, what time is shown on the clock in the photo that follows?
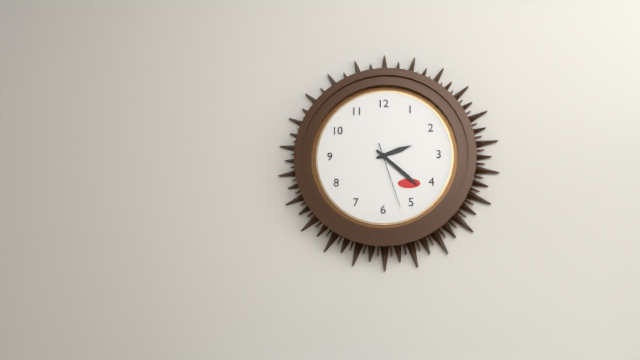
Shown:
h=2 m=22 s=27
